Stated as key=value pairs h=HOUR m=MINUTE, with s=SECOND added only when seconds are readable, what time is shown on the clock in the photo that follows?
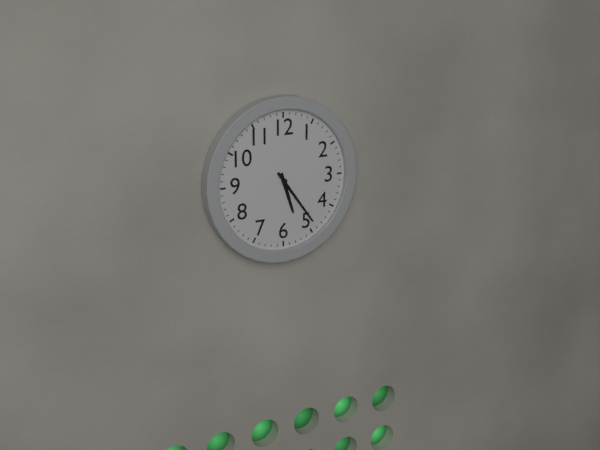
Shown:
h=5 m=24
